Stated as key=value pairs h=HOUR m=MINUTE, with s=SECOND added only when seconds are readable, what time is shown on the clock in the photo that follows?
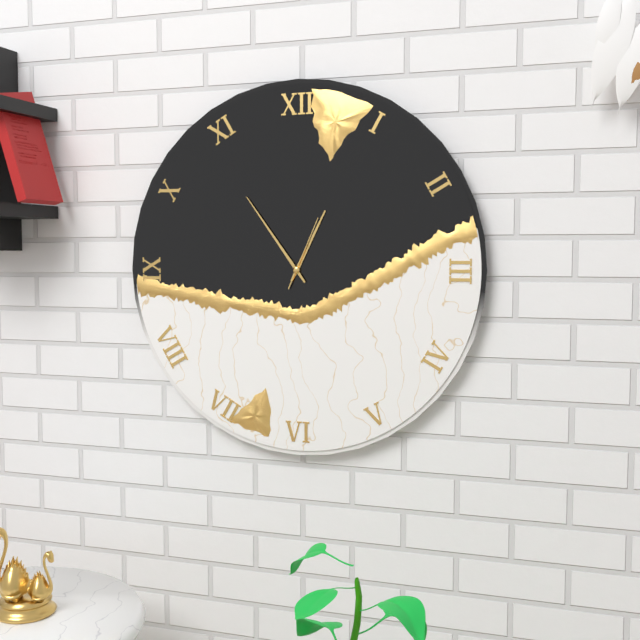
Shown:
h=12 m=54 s=4
